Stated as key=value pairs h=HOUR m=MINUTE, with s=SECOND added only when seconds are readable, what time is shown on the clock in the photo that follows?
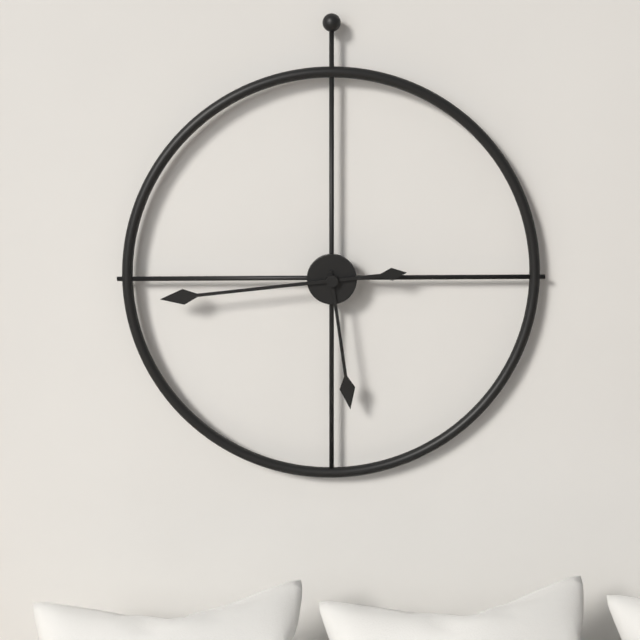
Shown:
h=5 m=44
